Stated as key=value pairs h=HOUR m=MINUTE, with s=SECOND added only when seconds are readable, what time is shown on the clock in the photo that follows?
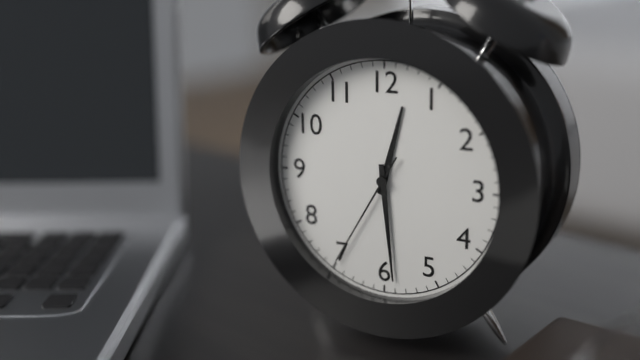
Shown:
h=12 m=29 s=35
